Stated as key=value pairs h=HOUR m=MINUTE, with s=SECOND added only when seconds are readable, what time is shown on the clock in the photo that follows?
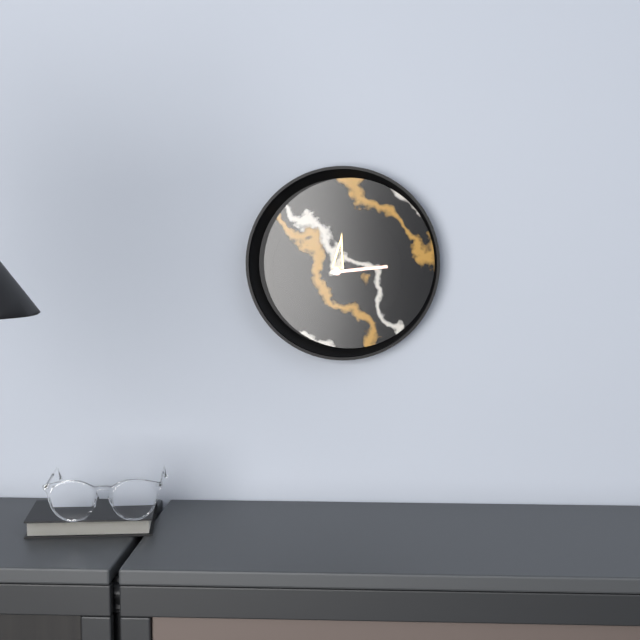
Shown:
h=12 m=14
